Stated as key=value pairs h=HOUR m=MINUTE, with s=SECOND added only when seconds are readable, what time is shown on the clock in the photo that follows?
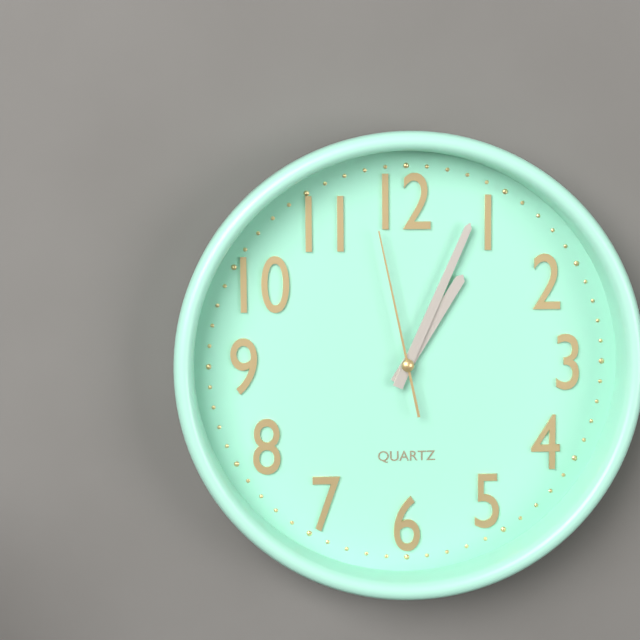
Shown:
h=1 m=4 s=58
